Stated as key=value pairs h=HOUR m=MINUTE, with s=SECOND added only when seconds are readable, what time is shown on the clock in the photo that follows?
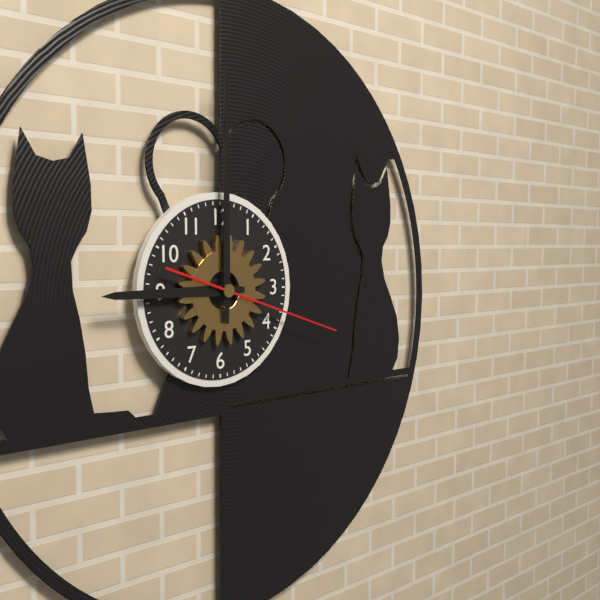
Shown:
h=9 m=0 s=18
